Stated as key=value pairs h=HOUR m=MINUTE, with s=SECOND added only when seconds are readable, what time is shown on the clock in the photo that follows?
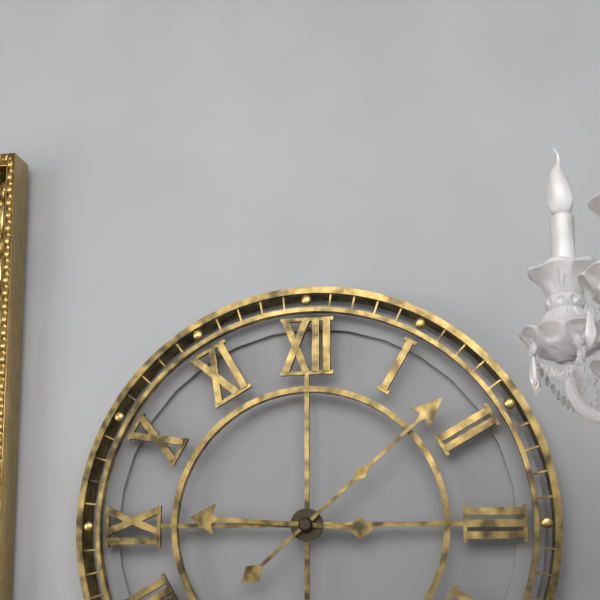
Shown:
h=9 m=8
